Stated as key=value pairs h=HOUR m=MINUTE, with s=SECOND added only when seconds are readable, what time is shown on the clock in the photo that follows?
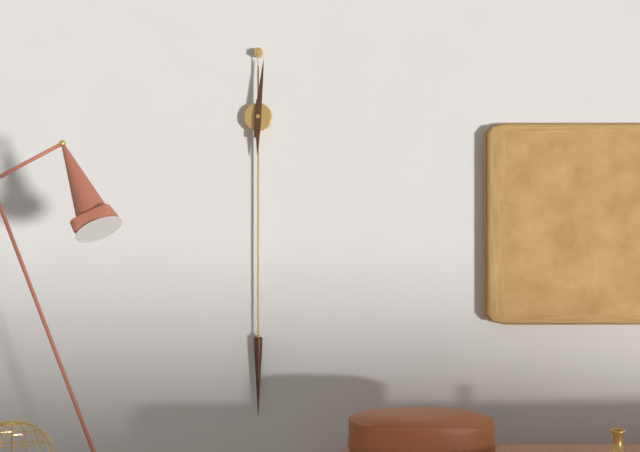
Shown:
h=6 m=1
